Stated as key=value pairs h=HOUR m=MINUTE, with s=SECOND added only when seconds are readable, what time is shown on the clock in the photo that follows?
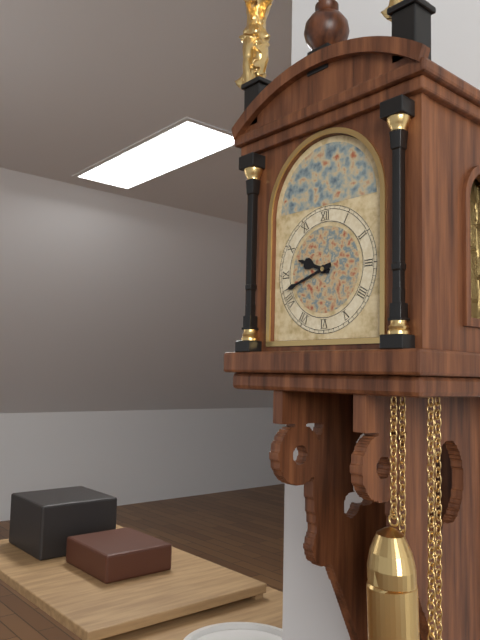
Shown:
h=9 m=42
